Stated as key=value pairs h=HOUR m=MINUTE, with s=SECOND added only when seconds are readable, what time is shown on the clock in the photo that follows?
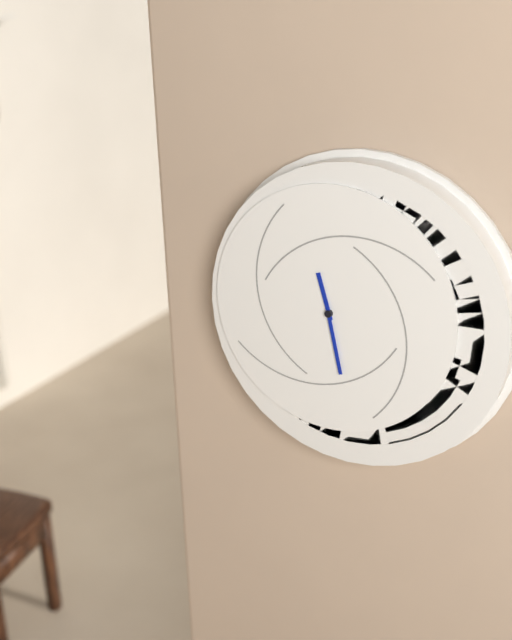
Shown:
h=11 m=28
